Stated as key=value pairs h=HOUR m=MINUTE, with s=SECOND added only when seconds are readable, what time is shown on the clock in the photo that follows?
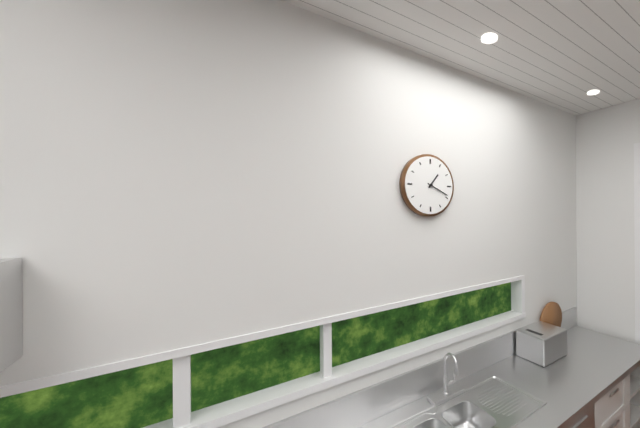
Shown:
h=1 m=19
